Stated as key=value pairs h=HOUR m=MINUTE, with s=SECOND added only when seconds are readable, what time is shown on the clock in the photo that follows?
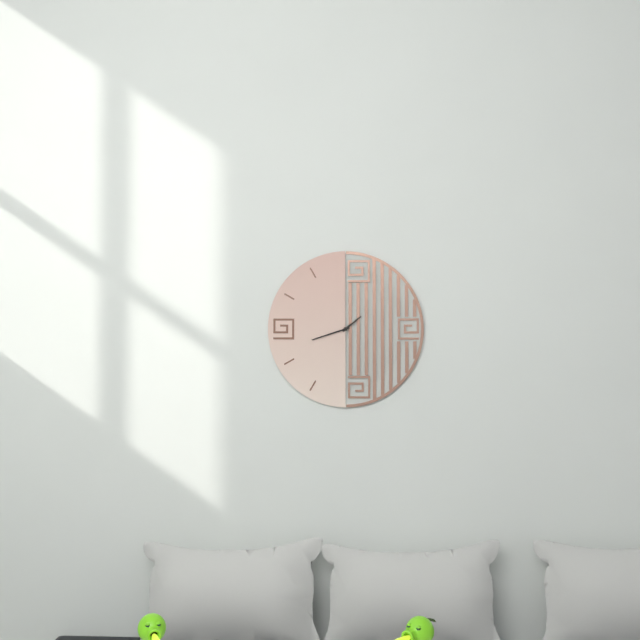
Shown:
h=1 m=42
